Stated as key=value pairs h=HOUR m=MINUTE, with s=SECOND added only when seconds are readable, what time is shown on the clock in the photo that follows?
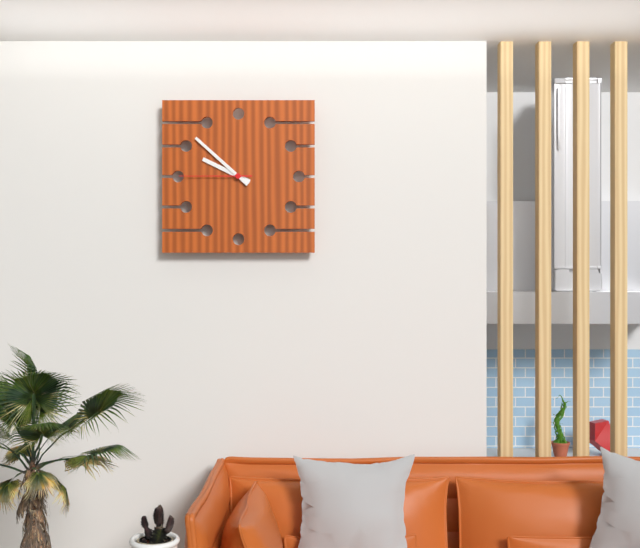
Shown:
h=9 m=52 s=45
